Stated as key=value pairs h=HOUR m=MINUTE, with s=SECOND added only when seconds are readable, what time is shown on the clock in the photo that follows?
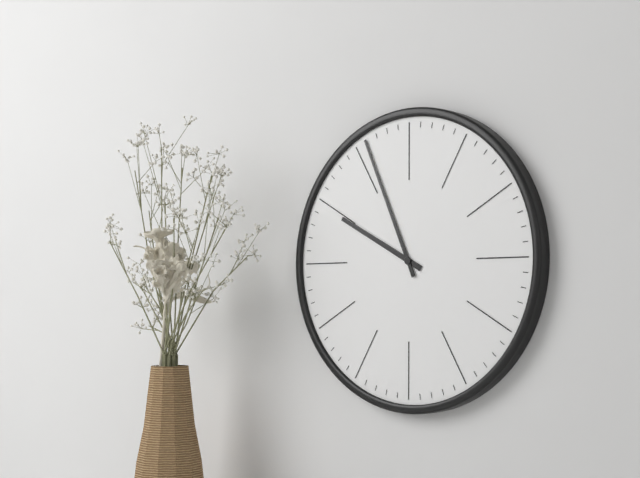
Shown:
h=9 m=56
